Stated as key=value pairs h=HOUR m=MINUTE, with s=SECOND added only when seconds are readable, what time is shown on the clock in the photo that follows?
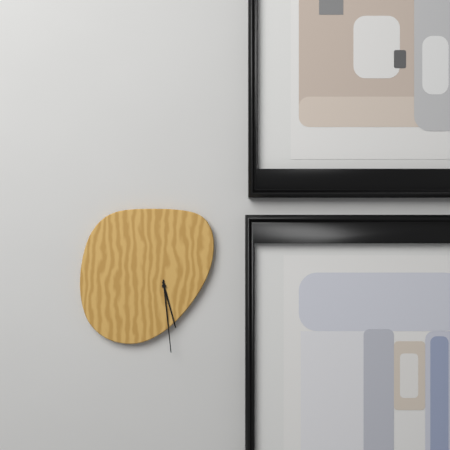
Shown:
h=5 m=29
